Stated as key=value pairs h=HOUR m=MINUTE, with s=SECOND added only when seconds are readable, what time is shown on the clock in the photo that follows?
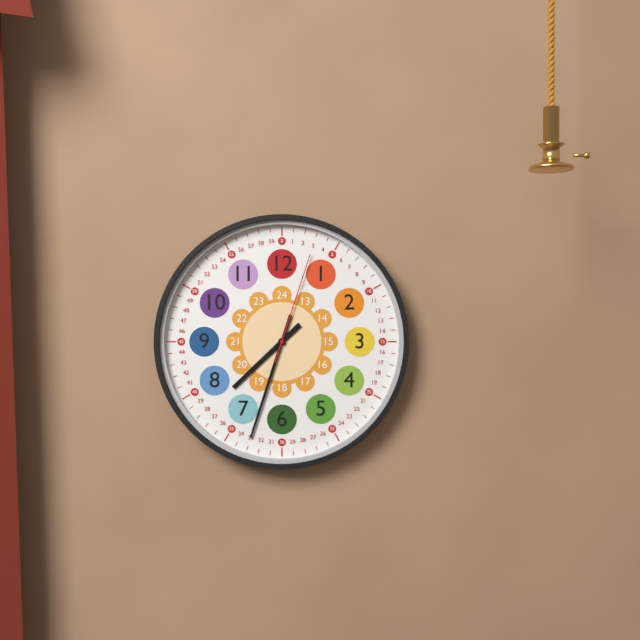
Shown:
h=7 m=33 s=3
